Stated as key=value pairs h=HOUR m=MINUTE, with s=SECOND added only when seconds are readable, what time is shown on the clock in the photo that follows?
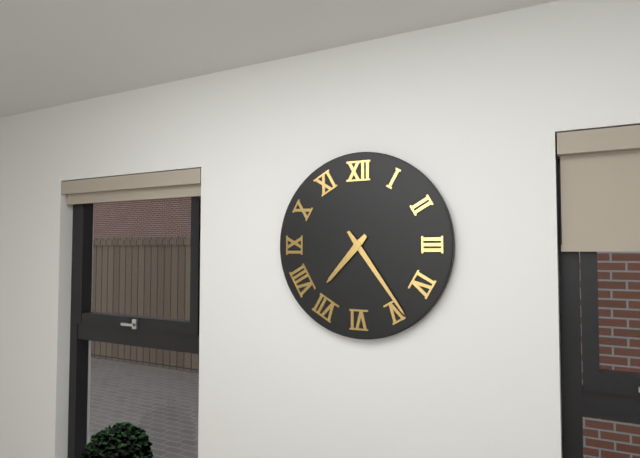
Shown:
h=7 m=24
